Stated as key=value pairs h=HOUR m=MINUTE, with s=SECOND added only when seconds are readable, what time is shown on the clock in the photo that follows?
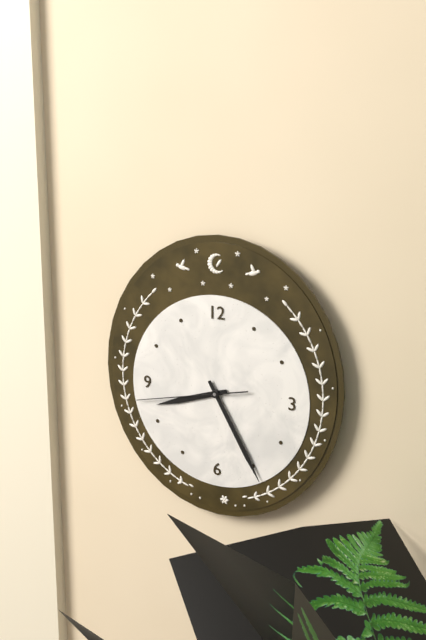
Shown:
h=8 m=25 s=43
